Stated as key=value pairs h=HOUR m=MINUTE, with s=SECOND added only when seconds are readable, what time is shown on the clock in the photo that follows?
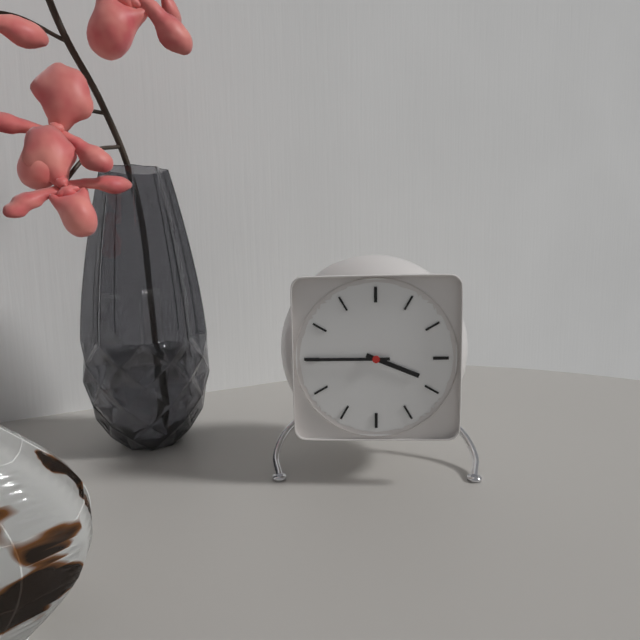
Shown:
h=3 m=45
